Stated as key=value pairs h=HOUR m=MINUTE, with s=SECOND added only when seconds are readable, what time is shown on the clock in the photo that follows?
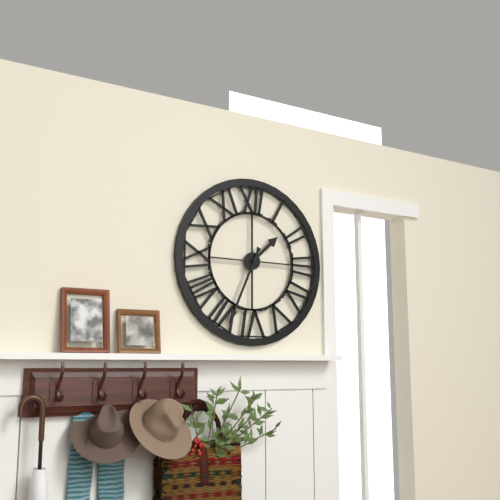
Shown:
h=1 m=34
